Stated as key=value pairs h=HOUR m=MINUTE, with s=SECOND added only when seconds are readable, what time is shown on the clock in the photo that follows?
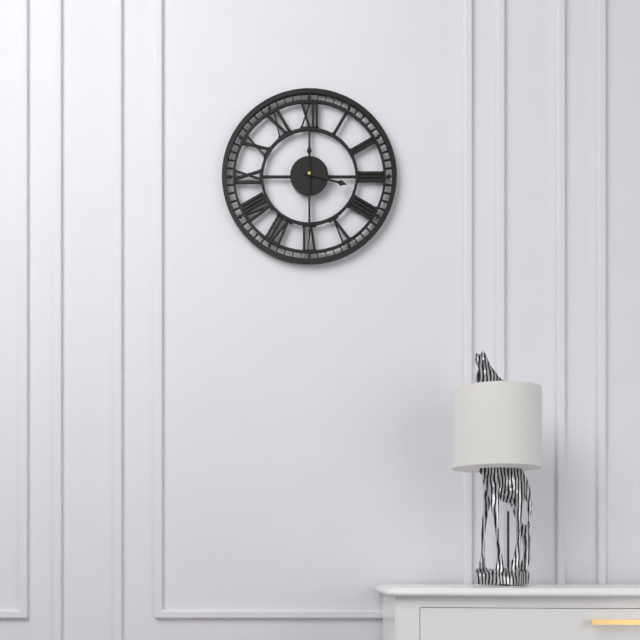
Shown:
h=3 m=30
